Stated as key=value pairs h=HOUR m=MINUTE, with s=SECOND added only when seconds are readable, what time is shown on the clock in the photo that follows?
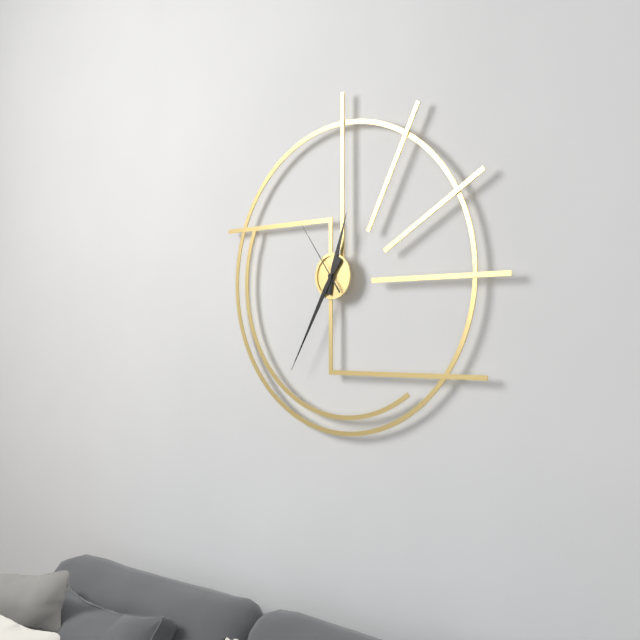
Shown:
h=12 m=35 s=54
